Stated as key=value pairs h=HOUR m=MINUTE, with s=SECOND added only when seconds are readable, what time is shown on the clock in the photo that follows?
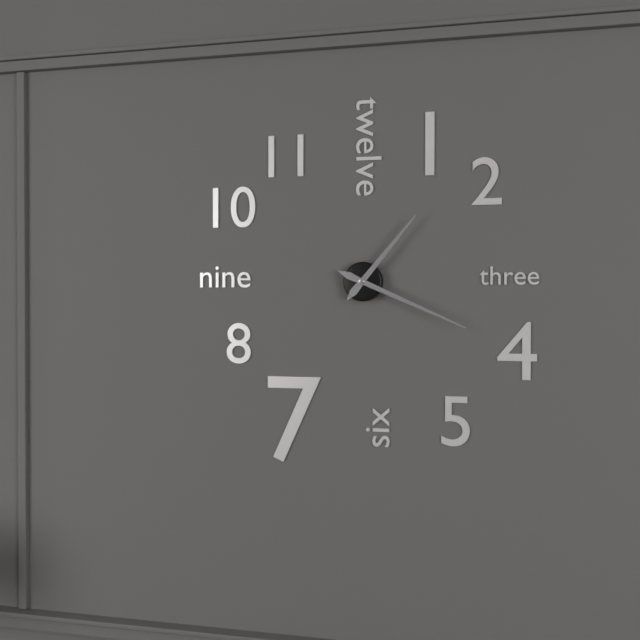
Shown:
h=1 m=19
